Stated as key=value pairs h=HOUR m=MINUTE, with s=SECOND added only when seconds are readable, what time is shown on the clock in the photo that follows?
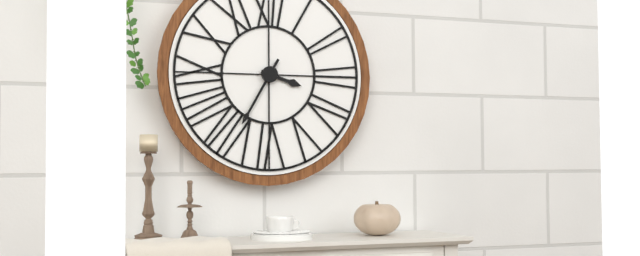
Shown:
h=3 m=35
